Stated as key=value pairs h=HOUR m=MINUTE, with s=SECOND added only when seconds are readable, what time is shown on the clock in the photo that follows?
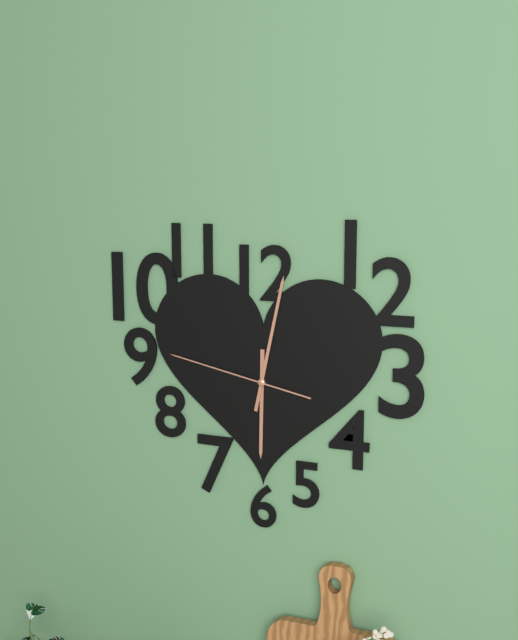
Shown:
h=6 m=2 s=47
